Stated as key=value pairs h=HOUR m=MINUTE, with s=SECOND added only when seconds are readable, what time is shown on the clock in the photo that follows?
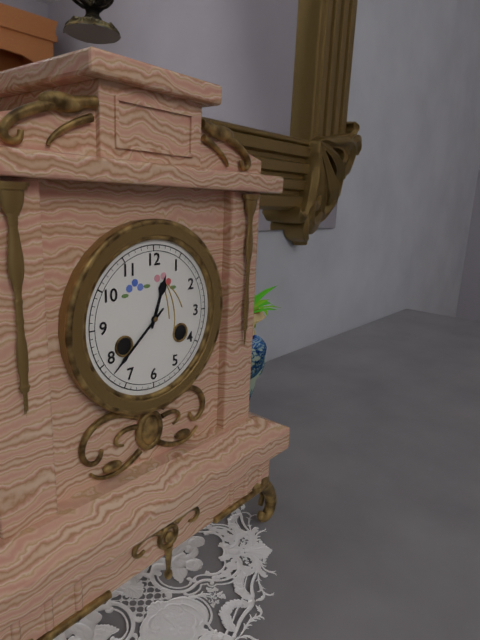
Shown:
h=12 m=38
